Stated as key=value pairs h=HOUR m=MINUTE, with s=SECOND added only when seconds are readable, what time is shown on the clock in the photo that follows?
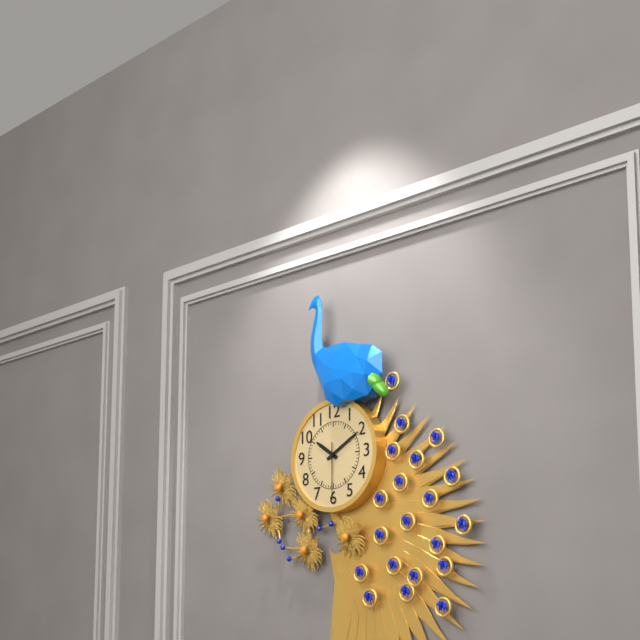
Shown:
h=10 m=10 s=30
